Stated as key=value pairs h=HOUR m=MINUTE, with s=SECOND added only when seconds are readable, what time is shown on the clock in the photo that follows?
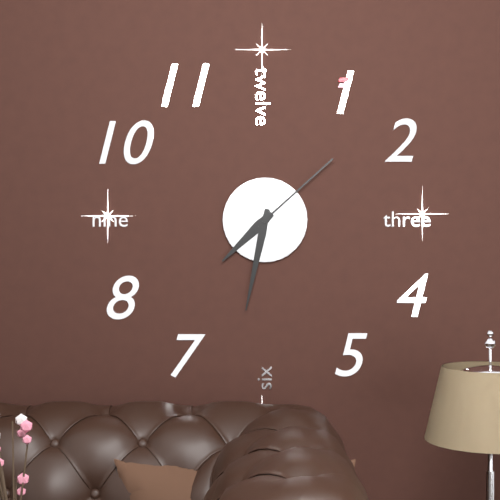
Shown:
h=7 m=32 s=8
